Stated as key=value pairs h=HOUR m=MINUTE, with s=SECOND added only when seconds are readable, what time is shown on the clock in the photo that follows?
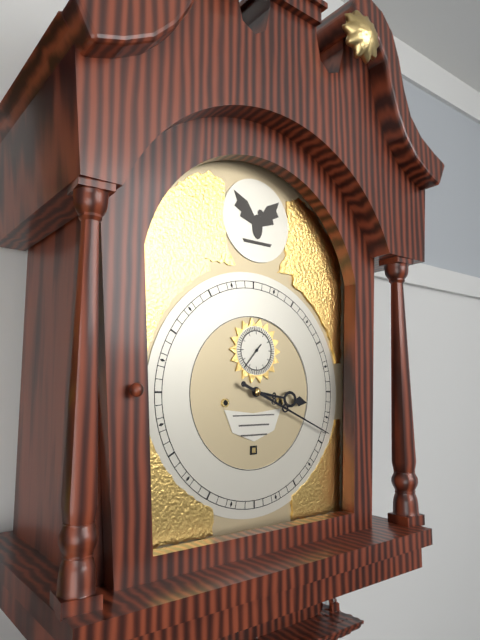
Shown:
h=3 m=19
